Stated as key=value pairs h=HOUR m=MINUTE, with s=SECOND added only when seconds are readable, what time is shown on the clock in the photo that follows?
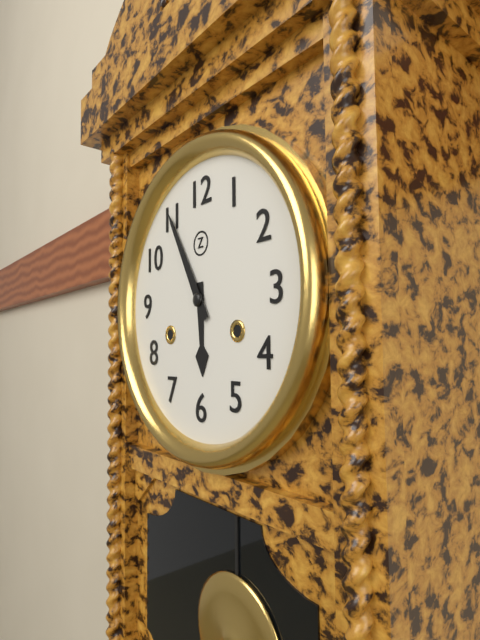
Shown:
h=5 m=55
